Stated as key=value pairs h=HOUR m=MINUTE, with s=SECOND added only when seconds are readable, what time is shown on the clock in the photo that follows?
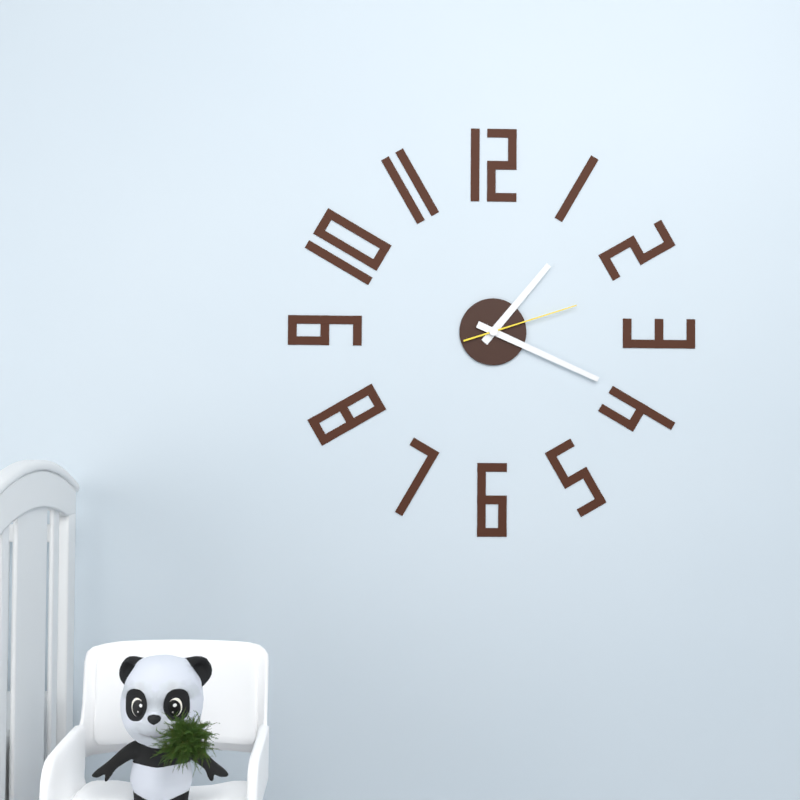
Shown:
h=1 m=19 s=12
